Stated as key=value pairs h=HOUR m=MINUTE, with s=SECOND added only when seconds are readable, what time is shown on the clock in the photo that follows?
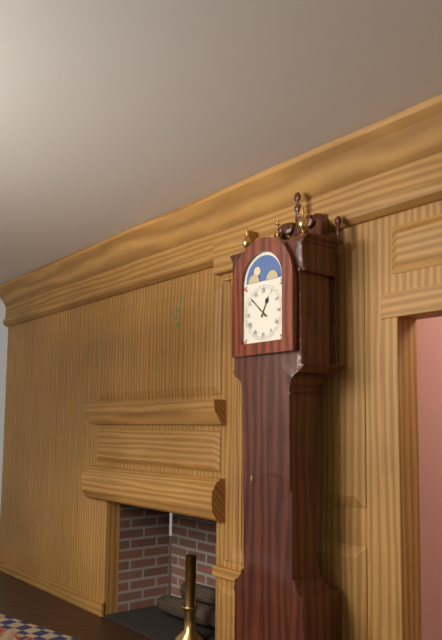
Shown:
h=12 m=52
